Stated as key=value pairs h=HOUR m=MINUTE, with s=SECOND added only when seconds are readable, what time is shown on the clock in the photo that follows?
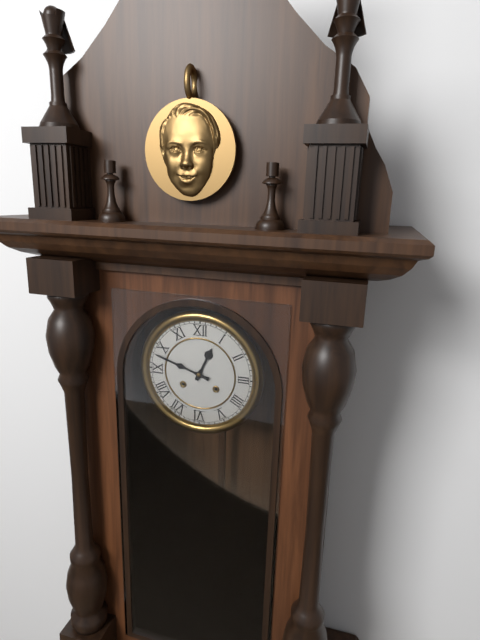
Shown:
h=12 m=48
